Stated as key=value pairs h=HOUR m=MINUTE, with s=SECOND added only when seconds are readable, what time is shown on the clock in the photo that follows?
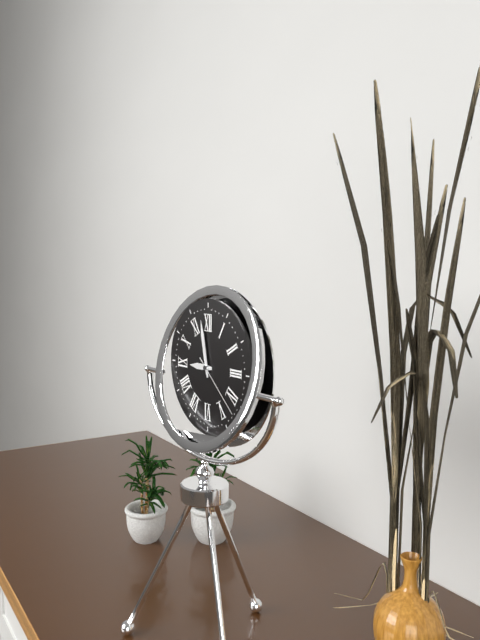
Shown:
h=8 m=58 s=22
